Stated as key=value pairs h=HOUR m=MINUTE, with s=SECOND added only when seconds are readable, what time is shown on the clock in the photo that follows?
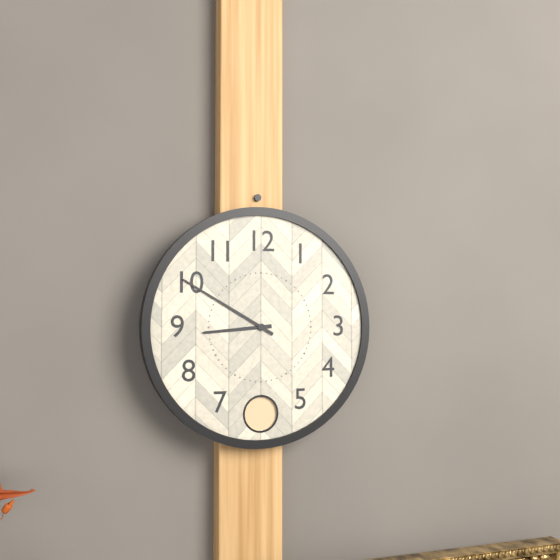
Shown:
h=8 m=50
